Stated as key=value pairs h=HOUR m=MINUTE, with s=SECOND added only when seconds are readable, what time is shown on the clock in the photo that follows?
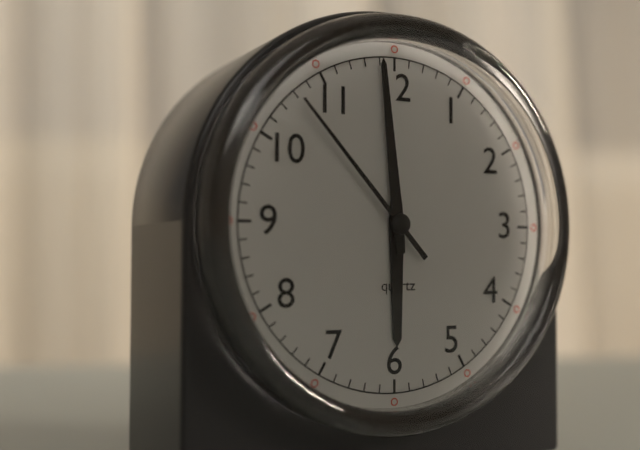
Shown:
h=5 m=59 s=53
